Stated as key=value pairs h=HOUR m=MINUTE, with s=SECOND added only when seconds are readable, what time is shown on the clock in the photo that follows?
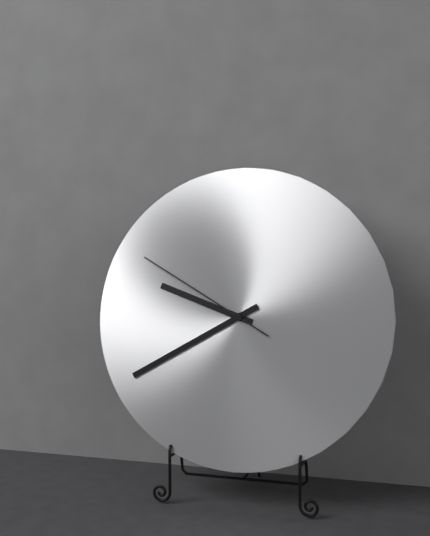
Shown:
h=9 m=40 s=50
